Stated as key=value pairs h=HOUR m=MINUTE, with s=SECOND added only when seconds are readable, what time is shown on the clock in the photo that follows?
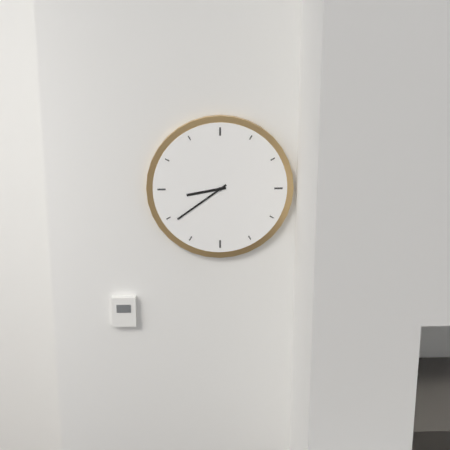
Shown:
h=8 m=39
